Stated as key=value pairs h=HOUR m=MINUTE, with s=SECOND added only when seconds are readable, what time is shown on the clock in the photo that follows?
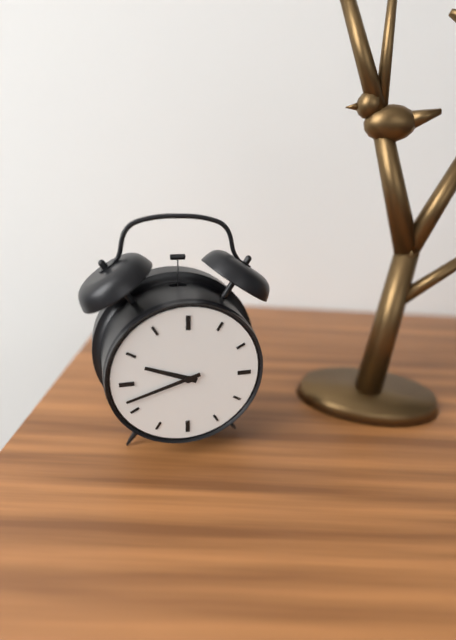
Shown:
h=9 m=42
